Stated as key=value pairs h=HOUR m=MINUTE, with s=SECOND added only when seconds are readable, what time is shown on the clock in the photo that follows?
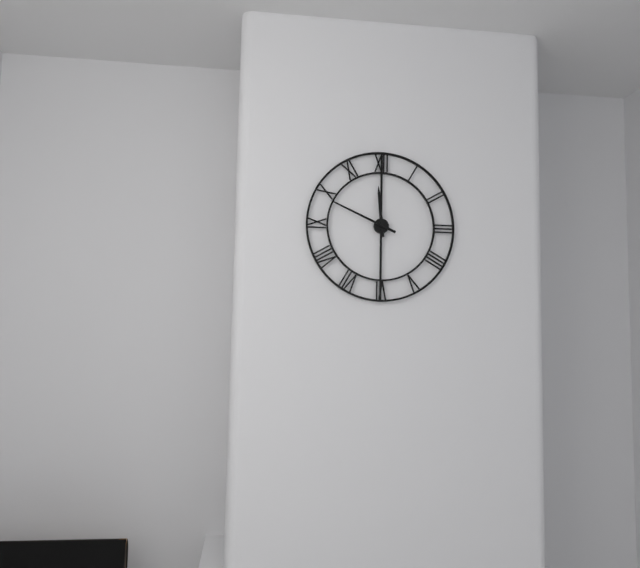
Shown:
h=11 m=49
